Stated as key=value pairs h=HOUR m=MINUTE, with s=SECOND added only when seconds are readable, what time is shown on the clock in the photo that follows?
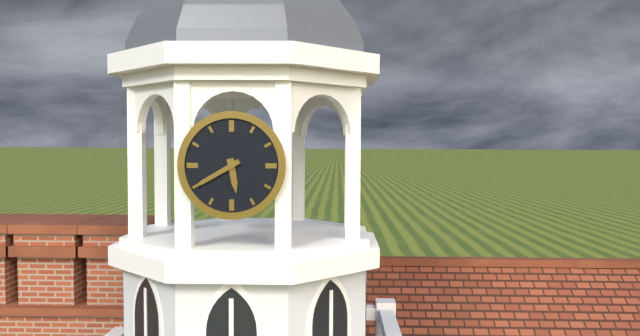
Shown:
h=5 m=40
